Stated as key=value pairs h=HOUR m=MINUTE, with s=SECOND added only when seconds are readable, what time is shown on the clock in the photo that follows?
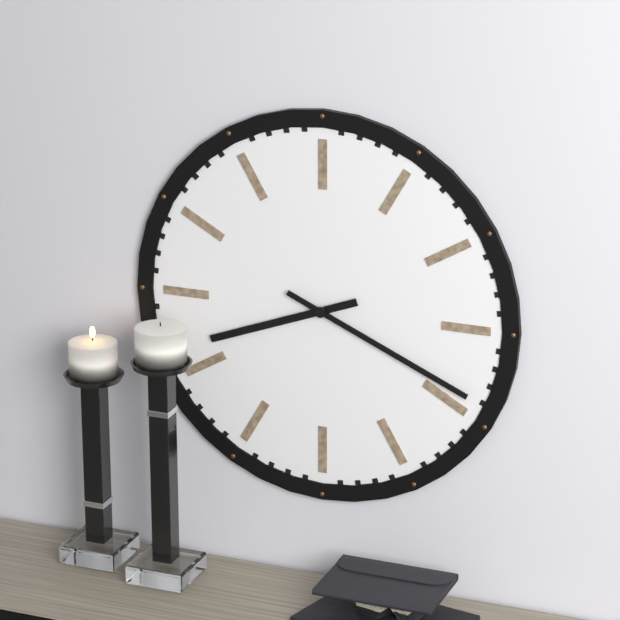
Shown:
h=8 m=19
